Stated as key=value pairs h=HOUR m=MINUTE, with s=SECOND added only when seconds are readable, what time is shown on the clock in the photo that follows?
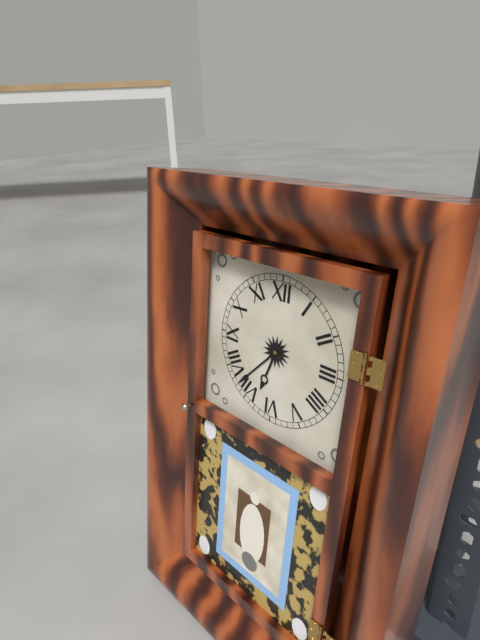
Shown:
h=6 m=37
